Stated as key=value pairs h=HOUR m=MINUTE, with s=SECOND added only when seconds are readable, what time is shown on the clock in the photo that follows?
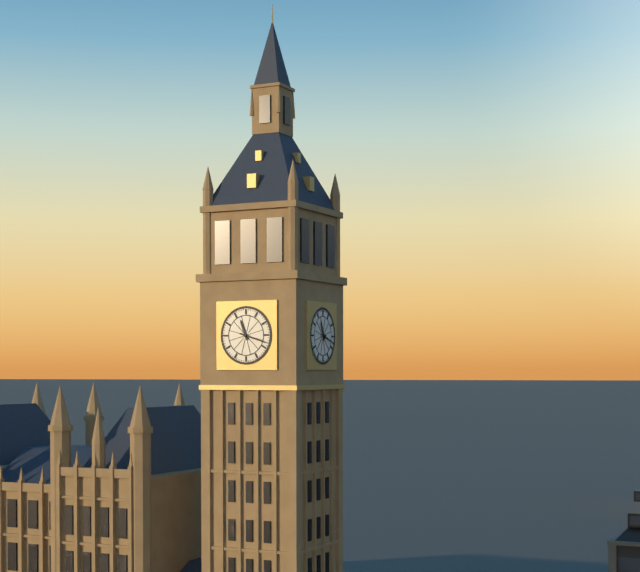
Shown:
h=11 m=18
